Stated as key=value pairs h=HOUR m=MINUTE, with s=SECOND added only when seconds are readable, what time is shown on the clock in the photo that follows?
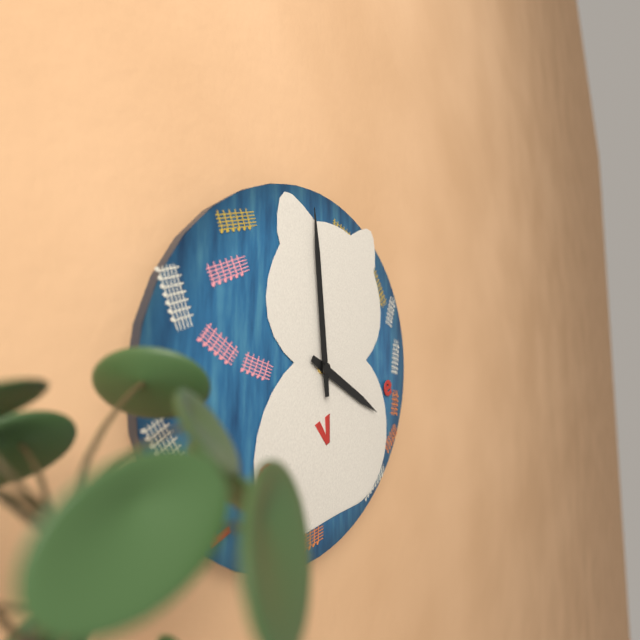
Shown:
h=3 m=59
